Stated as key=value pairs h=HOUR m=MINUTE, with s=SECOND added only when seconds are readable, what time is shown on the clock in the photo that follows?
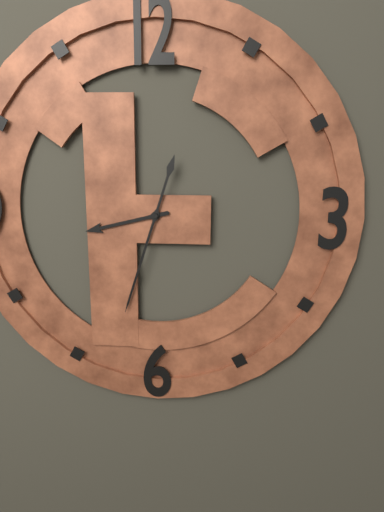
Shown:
h=8 m=33
